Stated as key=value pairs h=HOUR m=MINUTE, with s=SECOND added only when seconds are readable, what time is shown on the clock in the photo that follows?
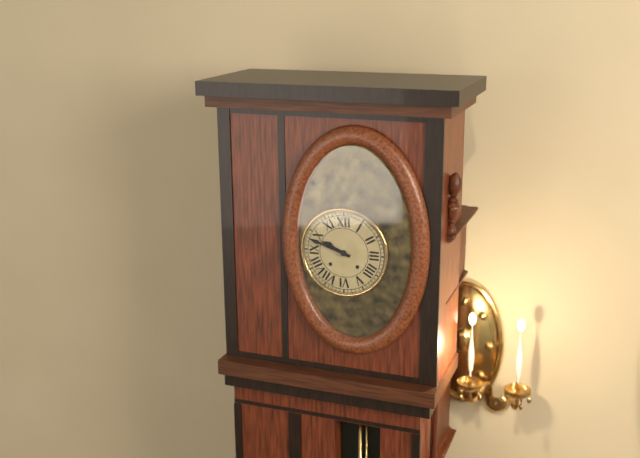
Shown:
h=9 m=48
